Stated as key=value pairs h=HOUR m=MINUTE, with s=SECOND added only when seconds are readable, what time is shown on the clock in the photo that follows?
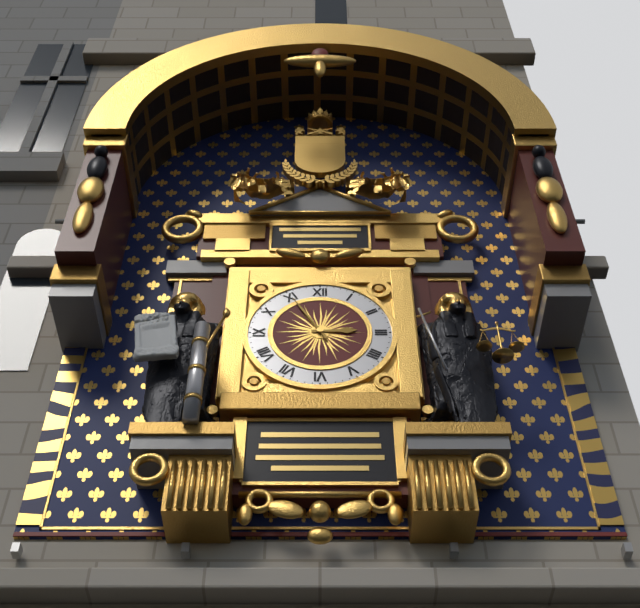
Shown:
h=2 m=55
